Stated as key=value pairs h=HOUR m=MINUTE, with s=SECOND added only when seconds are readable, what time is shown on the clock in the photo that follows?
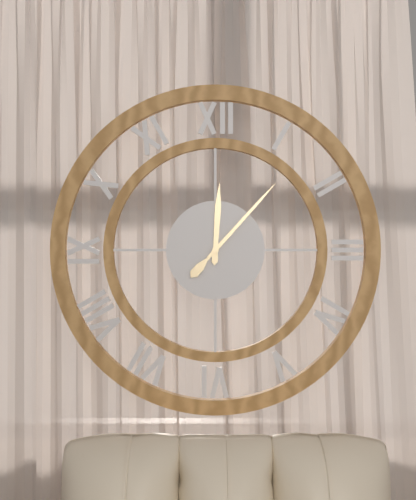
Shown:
h=12 m=7
